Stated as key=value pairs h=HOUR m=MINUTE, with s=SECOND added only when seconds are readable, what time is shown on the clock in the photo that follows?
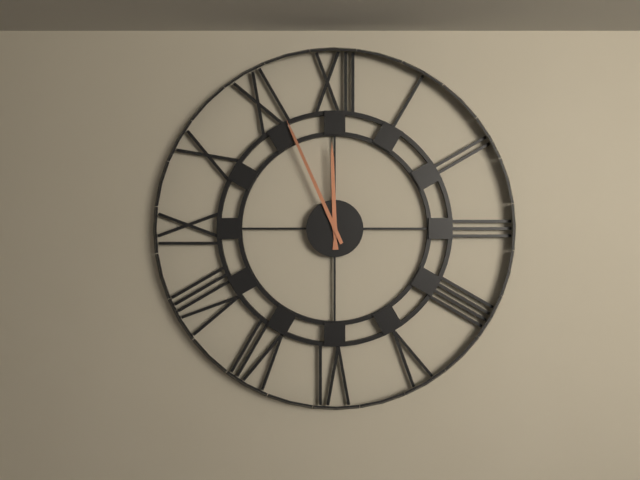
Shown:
h=11 m=56
